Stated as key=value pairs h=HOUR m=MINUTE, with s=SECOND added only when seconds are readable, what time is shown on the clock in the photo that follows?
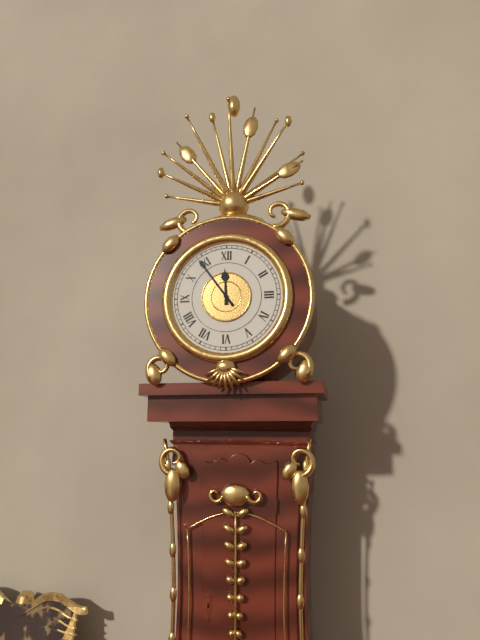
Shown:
h=11 m=54
